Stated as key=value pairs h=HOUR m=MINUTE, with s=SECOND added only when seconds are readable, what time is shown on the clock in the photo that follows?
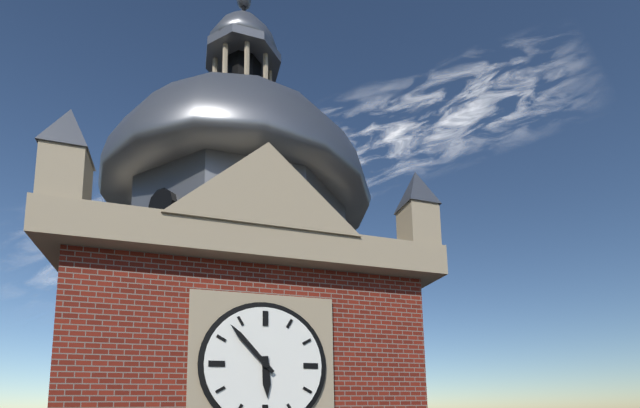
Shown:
h=5 m=53
